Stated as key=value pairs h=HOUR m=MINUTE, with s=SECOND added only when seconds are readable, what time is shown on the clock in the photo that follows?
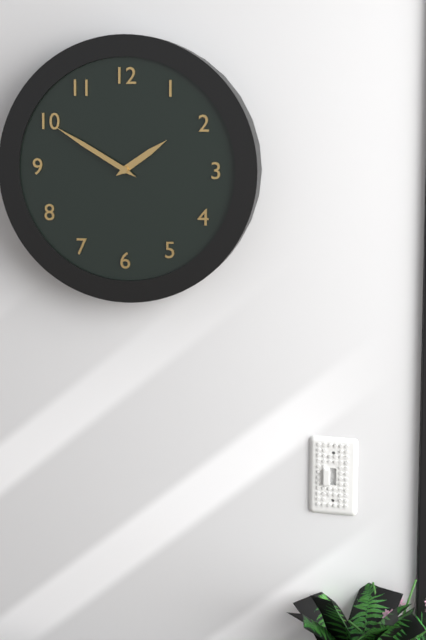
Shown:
h=1 m=50
